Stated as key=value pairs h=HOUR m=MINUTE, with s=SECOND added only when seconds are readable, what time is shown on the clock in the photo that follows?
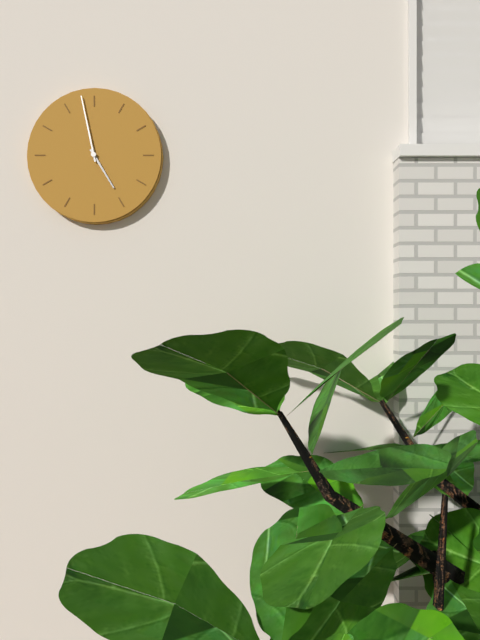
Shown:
h=4 m=58
